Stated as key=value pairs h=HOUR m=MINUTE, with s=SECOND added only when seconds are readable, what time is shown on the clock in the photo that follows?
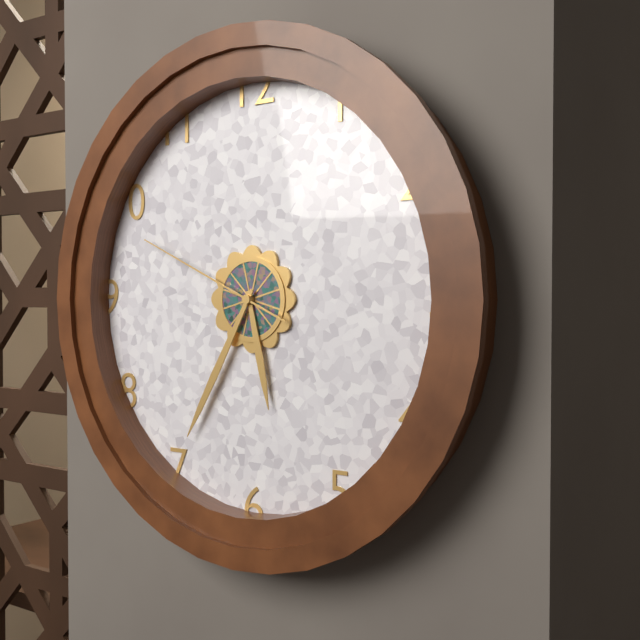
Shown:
h=5 m=35 s=49
